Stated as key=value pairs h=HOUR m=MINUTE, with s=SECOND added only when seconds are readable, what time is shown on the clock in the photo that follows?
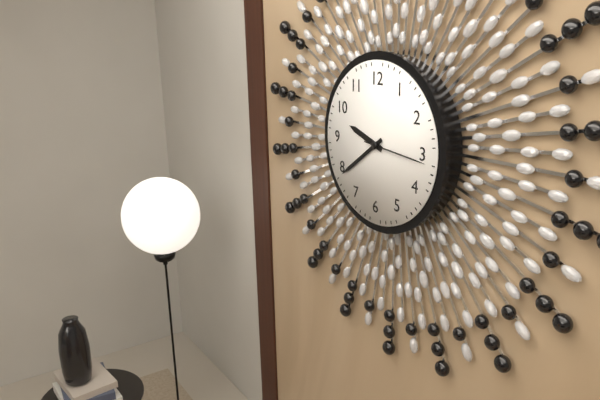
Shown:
h=9 m=39 s=16
